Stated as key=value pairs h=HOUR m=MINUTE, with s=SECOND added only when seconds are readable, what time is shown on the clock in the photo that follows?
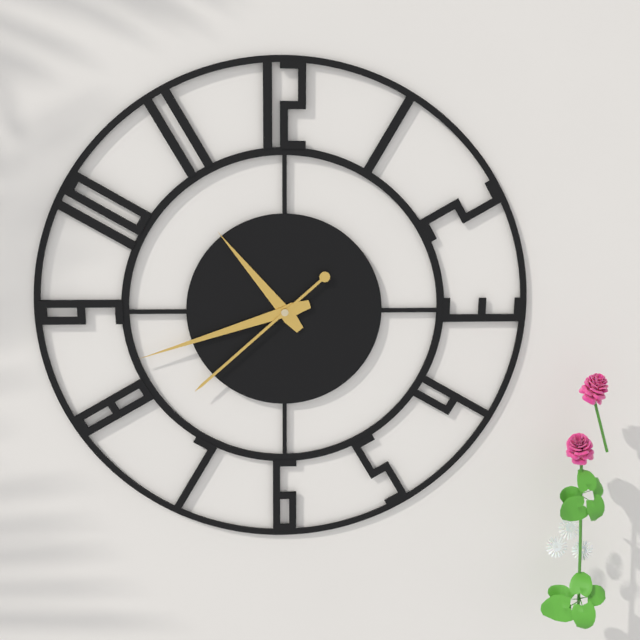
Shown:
h=10 m=42 s=38
